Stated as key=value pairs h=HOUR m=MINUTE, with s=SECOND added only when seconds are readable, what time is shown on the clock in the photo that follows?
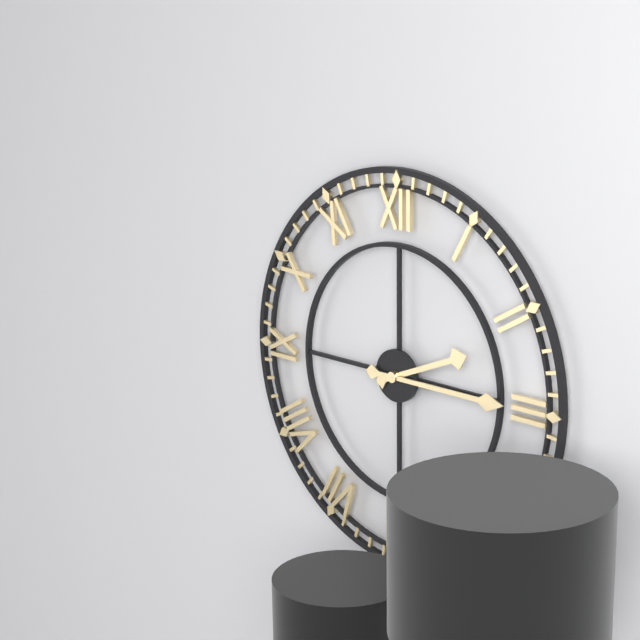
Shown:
h=2 m=15
